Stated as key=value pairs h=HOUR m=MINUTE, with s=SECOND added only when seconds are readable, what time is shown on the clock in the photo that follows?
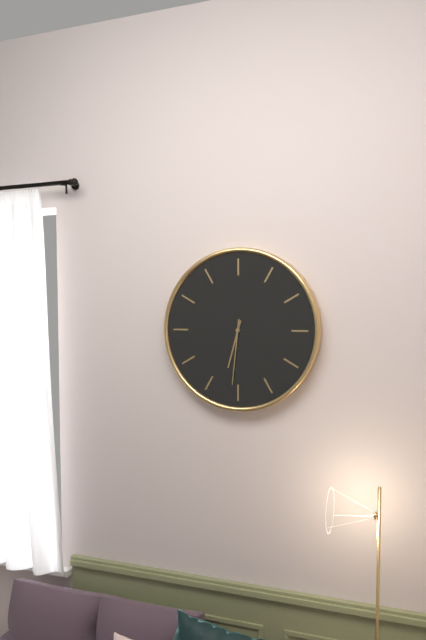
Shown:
h=6 m=31
